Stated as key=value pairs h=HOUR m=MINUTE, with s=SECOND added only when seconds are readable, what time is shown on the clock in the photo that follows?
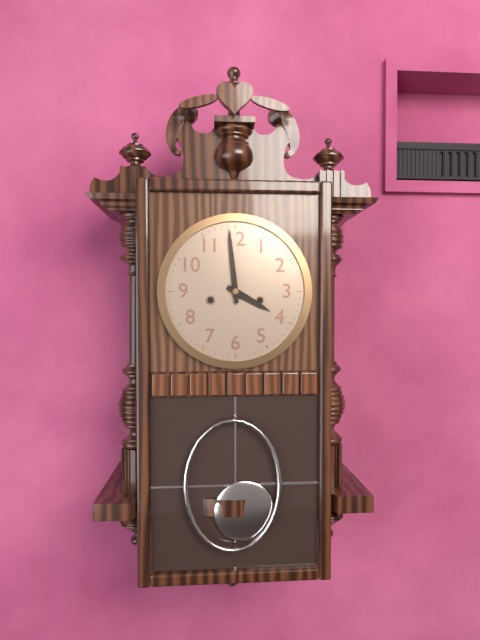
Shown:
h=3 m=59
